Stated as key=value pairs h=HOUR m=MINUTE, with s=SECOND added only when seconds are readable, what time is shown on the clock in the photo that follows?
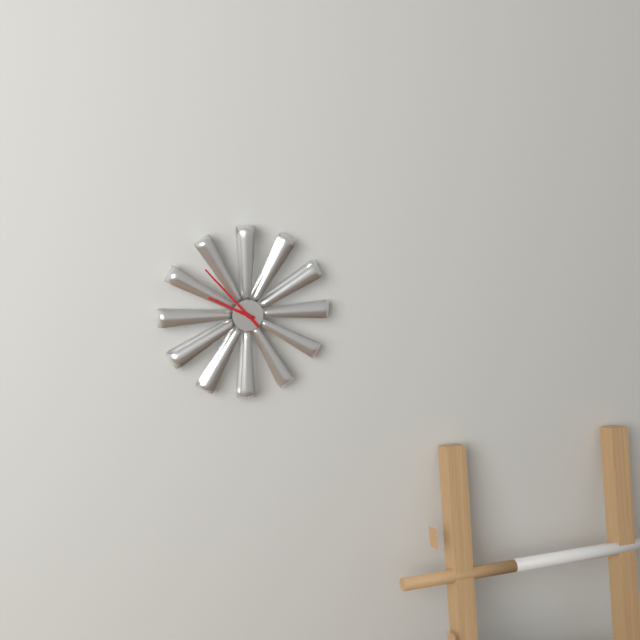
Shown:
h=9 m=53
